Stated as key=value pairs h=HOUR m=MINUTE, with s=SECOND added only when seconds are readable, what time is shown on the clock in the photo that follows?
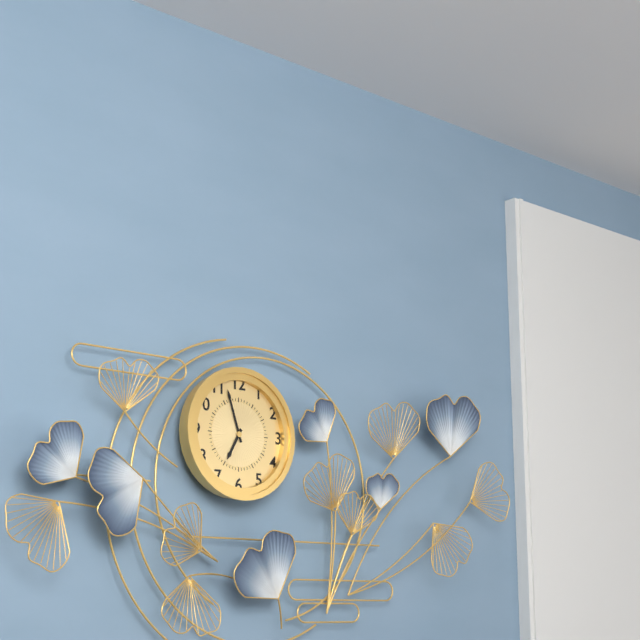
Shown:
h=6 m=57
